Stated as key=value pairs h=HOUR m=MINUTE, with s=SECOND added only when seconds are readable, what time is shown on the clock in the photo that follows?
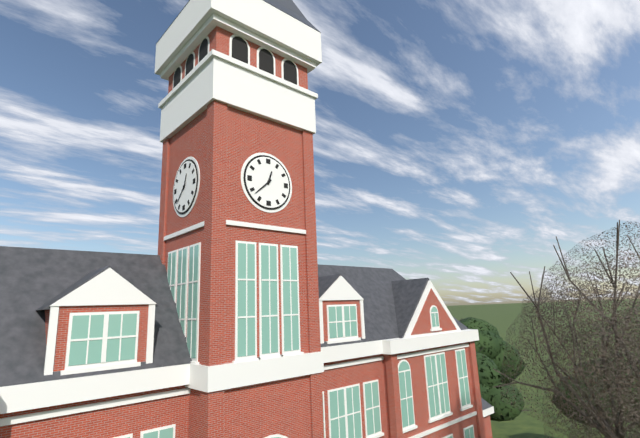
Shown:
h=12 m=38
